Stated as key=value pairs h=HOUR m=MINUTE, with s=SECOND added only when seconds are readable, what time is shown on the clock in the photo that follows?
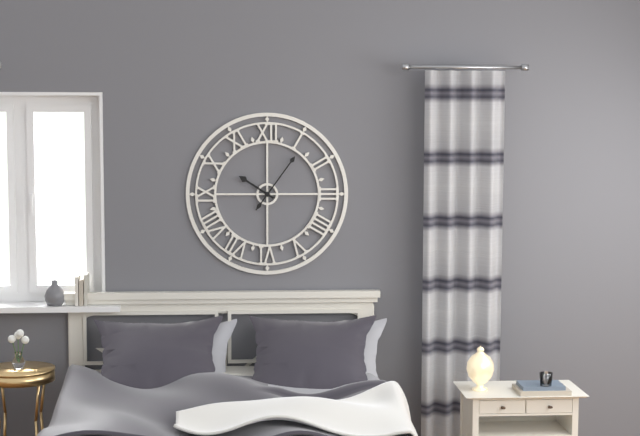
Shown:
h=10 m=6
